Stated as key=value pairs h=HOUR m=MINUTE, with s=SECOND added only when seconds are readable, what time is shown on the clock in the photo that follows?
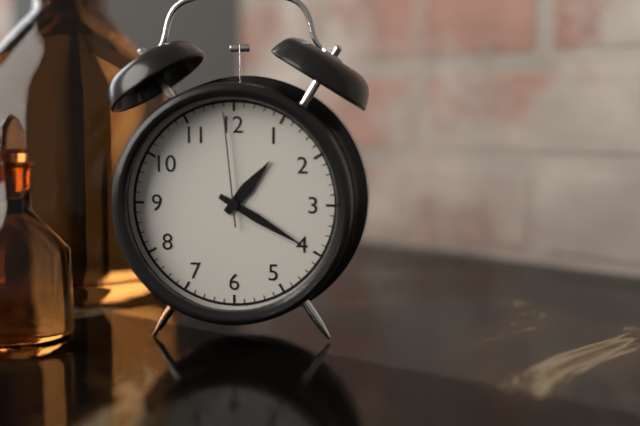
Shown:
h=1 m=20 s=59
